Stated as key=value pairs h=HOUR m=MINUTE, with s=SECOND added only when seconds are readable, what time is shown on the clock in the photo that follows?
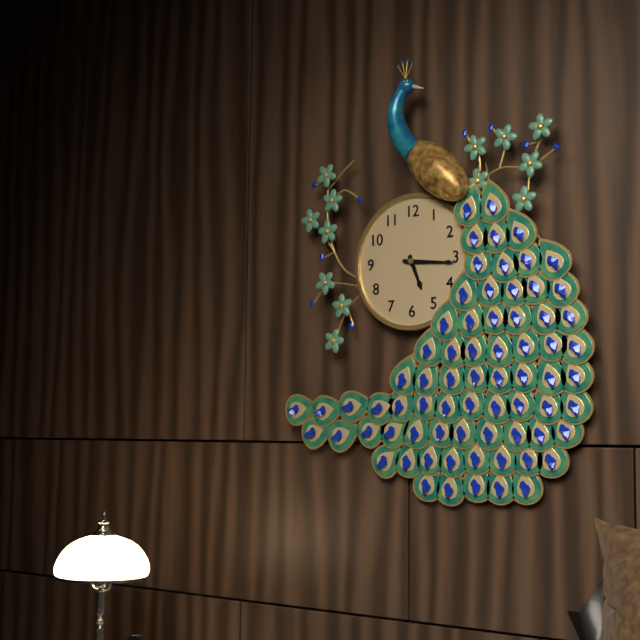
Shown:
h=5 m=16
